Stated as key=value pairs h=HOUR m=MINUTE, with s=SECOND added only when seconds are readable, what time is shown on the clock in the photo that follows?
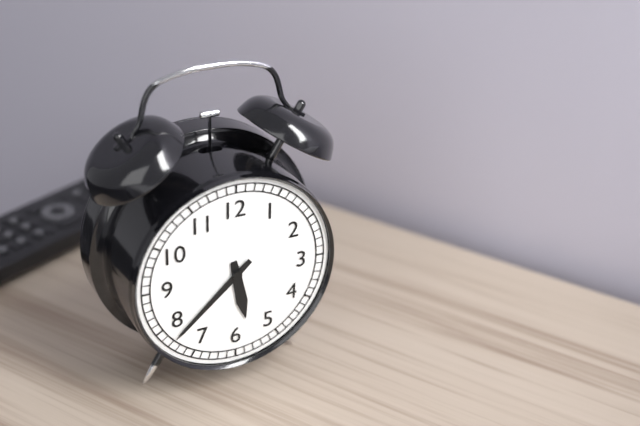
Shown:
h=5 m=38
